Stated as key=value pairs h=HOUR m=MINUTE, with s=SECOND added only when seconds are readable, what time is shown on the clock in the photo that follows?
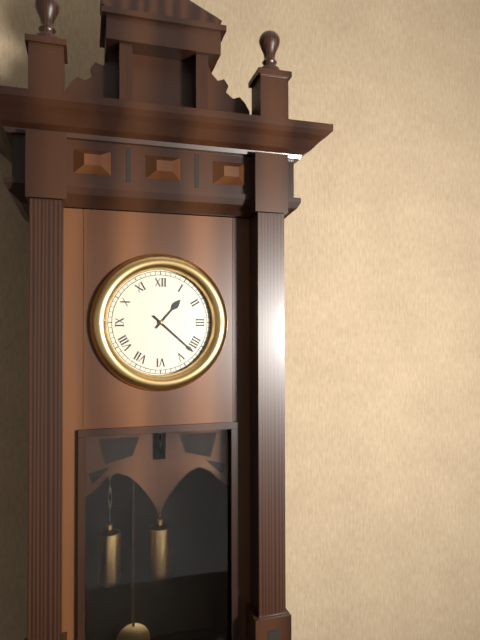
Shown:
h=1 m=22
